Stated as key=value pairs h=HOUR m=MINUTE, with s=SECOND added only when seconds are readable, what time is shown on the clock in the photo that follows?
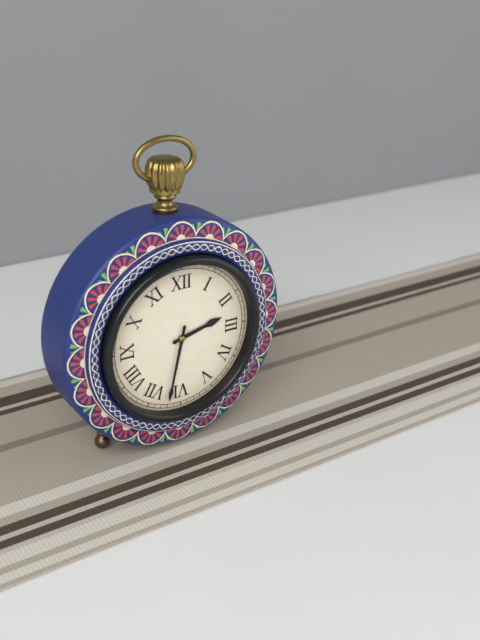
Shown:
h=2 m=32
